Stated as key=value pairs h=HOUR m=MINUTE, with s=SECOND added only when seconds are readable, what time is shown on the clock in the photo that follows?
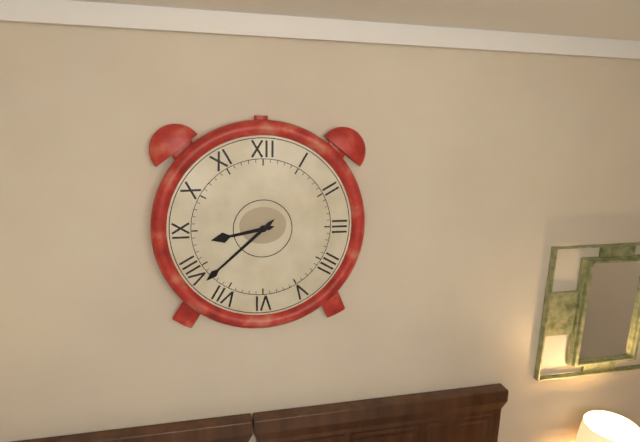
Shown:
h=8 m=38
